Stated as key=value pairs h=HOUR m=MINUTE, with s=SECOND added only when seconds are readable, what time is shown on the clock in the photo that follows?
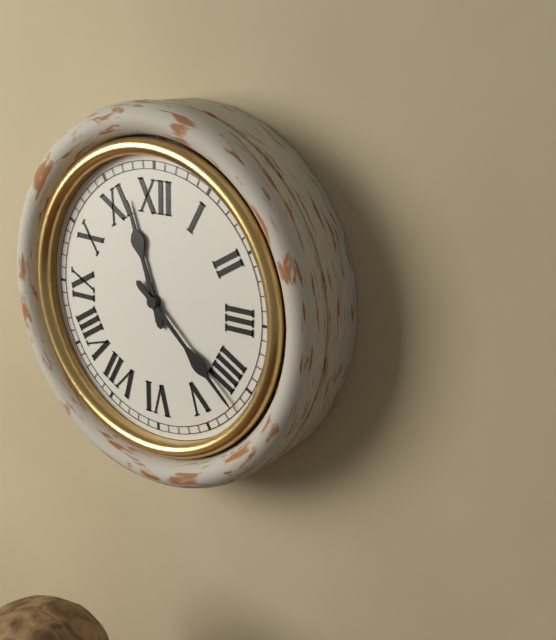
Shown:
h=11 m=22
